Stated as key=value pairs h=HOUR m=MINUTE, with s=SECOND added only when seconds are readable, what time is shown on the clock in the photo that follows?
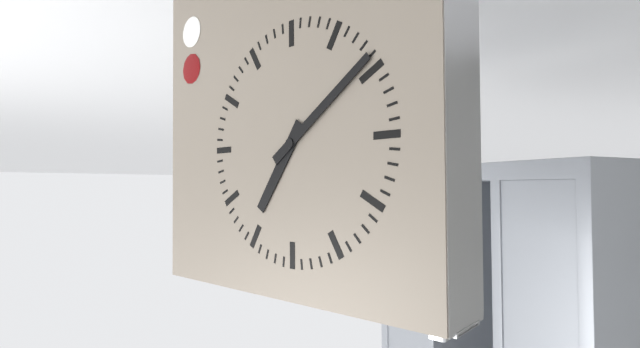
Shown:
h=7 m=9
